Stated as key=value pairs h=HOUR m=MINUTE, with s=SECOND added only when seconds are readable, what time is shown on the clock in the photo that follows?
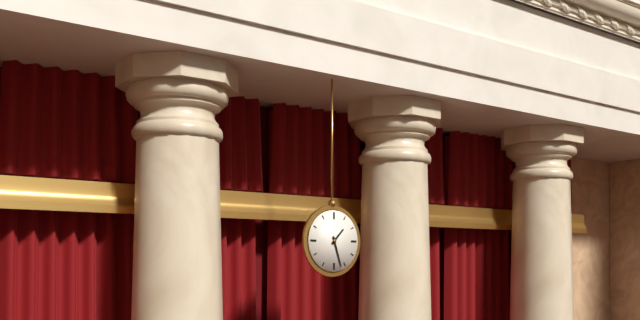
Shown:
h=1 m=27
